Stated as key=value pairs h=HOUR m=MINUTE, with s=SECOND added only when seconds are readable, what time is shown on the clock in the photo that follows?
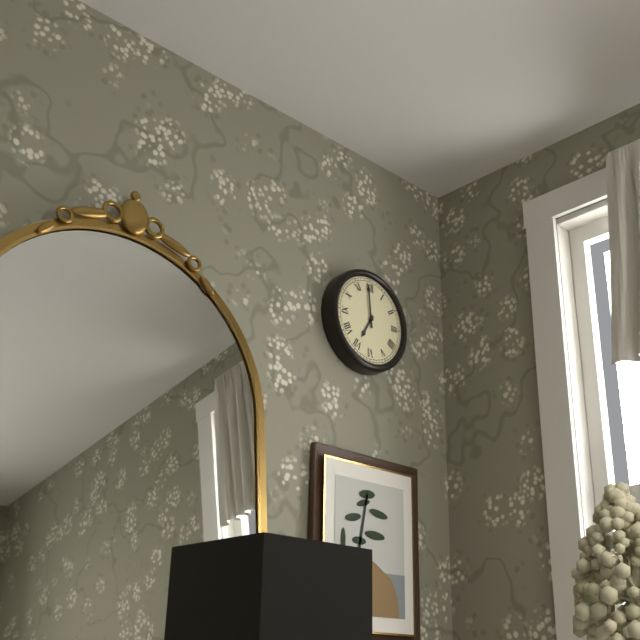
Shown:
h=6 m=59
